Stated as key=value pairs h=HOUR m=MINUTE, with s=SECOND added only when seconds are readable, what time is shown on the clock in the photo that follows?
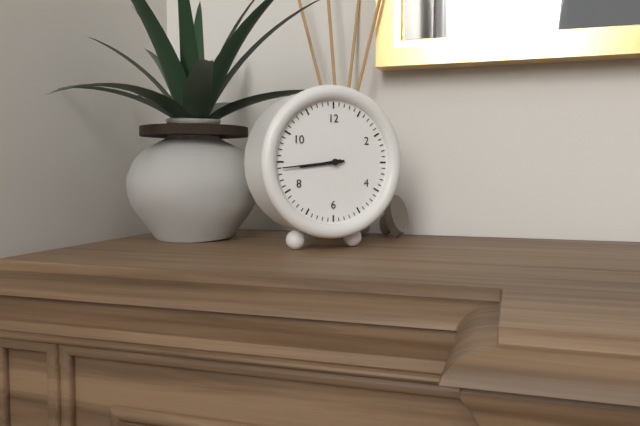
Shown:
h=8 m=44
